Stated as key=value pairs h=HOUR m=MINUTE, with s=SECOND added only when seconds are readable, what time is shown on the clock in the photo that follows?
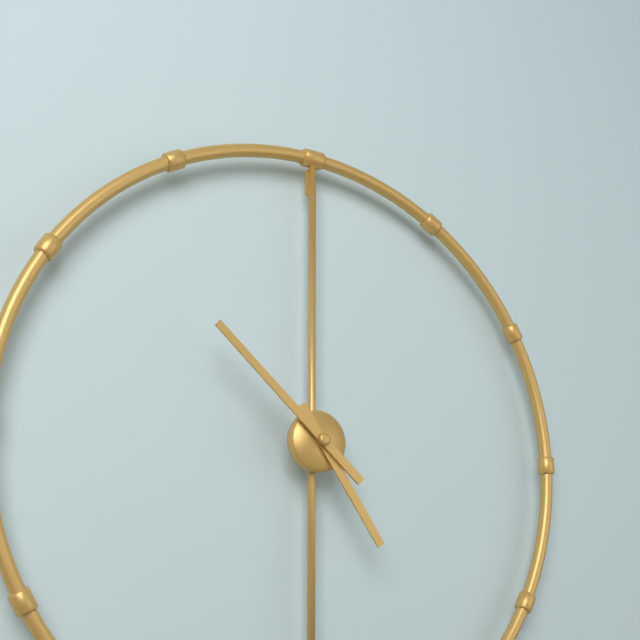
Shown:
h=4 m=52
